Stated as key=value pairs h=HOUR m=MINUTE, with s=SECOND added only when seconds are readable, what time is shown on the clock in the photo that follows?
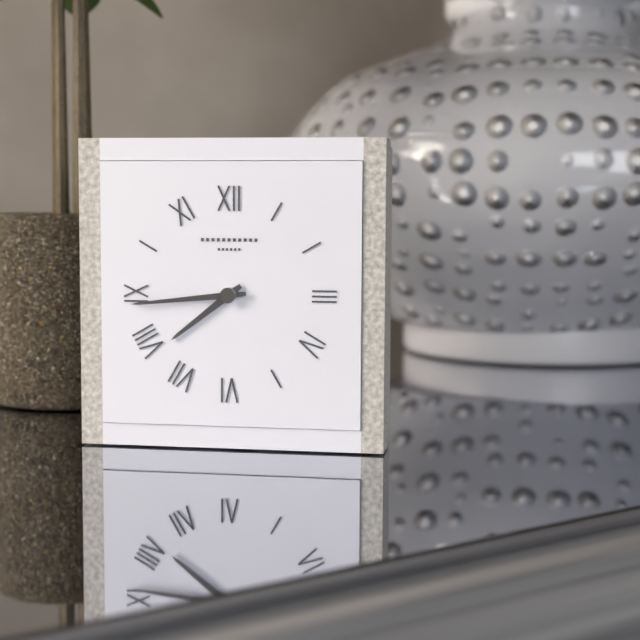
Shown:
h=7 m=44
